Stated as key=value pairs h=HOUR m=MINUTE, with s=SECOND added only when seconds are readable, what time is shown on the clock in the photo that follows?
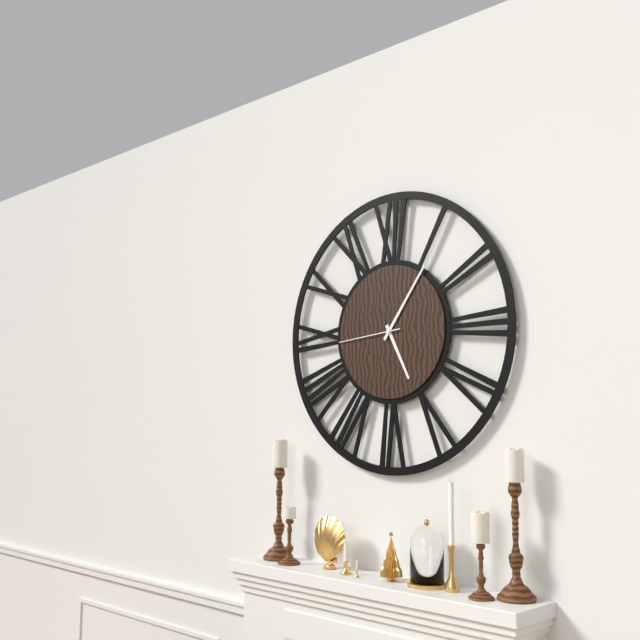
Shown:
h=5 m=6 s=44
